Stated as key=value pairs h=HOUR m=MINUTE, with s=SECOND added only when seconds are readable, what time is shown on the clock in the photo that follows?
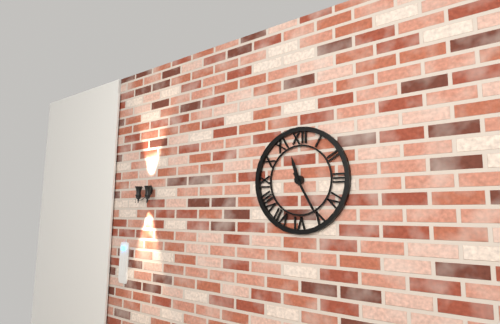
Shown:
h=11 m=25
